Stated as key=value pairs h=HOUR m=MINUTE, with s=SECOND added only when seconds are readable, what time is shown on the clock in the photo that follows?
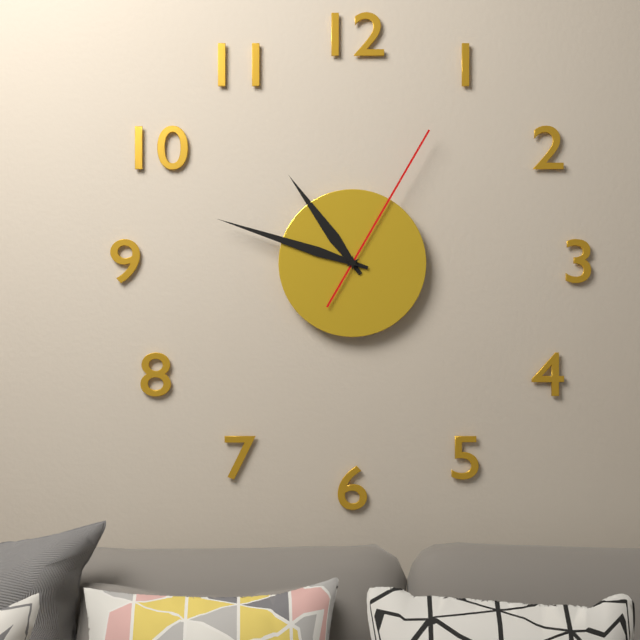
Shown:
h=10 m=48 s=5
